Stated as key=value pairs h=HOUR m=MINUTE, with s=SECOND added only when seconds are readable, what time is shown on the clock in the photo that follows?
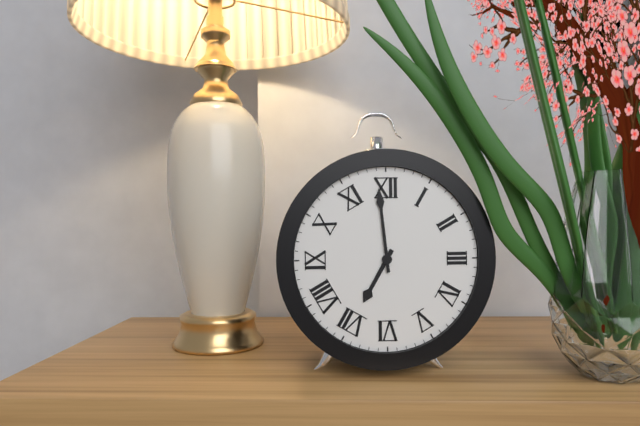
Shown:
h=6 m=59
